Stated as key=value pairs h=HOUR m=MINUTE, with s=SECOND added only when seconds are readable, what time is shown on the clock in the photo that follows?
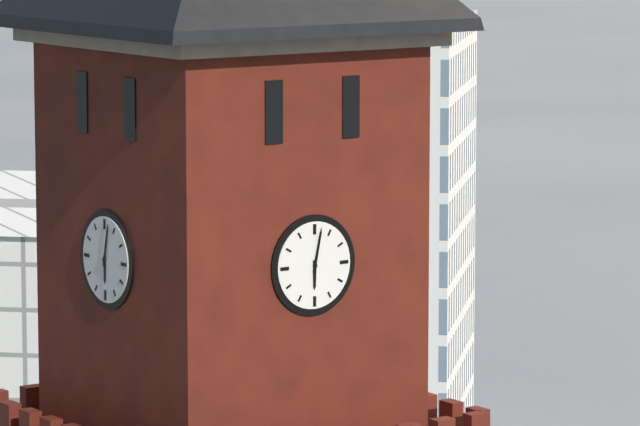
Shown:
h=6 m=2
